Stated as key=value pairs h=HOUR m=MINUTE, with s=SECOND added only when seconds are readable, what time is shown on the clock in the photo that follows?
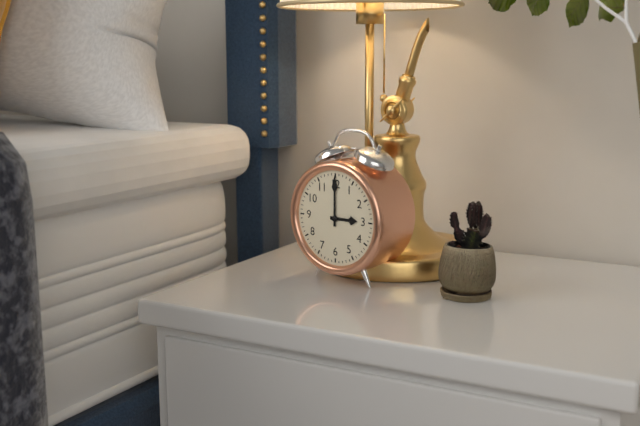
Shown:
h=3 m=0
